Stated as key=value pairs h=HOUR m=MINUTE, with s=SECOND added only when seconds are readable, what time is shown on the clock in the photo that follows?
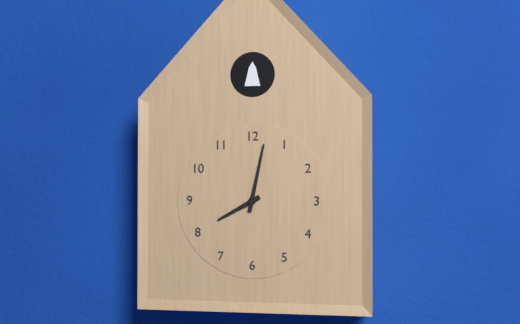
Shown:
h=8 m=2
